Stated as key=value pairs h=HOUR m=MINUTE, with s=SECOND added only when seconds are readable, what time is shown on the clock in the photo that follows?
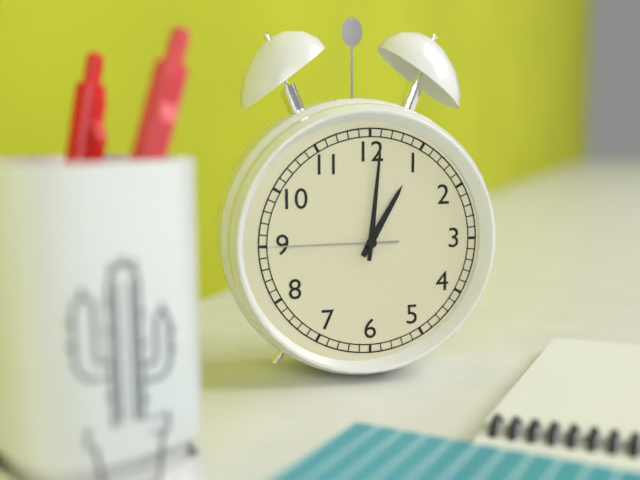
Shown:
h=1 m=1 s=45
